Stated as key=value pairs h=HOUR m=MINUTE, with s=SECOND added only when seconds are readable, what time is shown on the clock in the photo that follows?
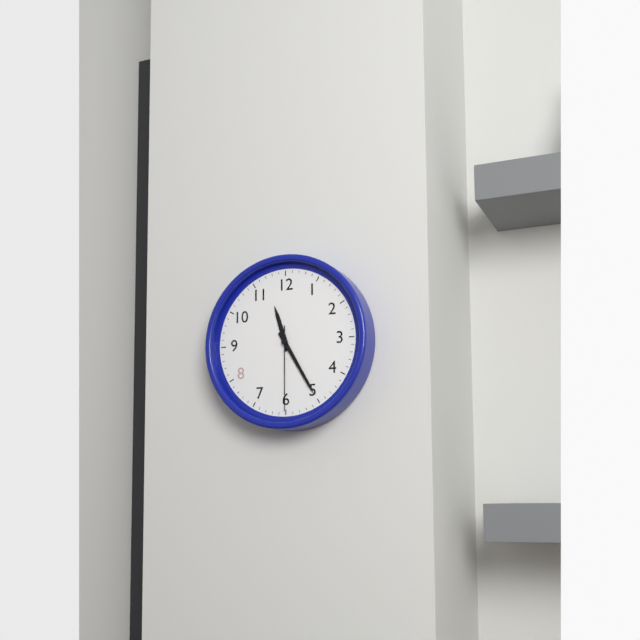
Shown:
h=11 m=25 s=30
